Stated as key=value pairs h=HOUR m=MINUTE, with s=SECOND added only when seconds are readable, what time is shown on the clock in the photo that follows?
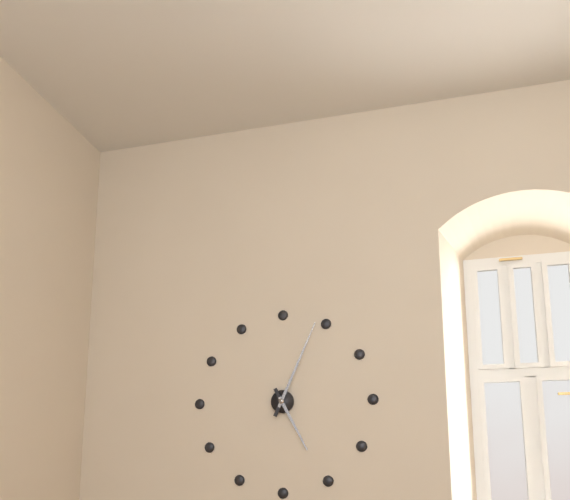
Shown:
h=5 m=4
